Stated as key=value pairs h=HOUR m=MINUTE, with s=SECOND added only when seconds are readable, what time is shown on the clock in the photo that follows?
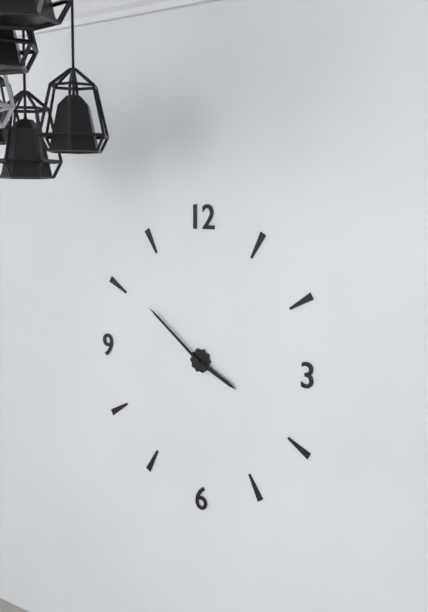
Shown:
h=3 m=51
